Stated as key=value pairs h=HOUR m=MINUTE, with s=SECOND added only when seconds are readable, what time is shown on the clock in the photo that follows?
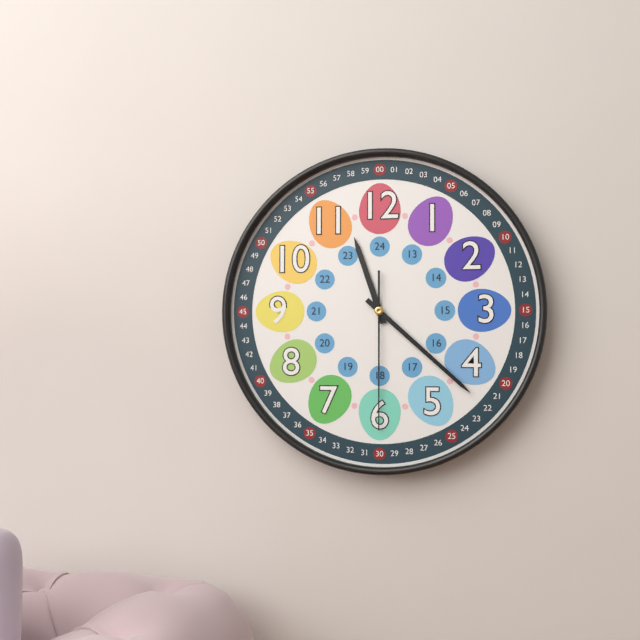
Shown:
h=11 m=22 s=30
